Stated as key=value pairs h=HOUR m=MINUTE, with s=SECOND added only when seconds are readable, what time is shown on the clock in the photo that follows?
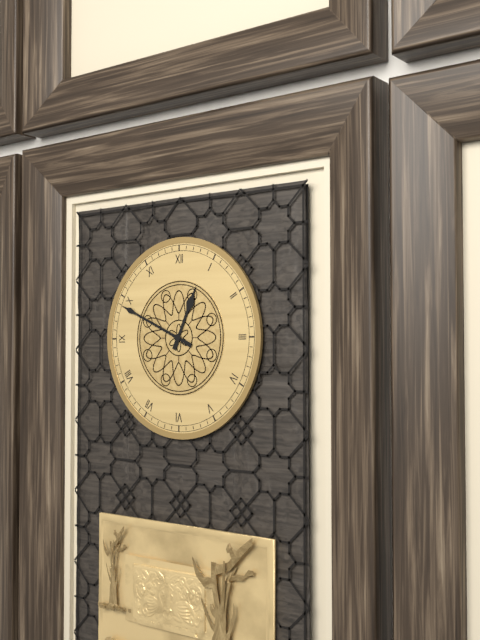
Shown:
h=12 m=49
